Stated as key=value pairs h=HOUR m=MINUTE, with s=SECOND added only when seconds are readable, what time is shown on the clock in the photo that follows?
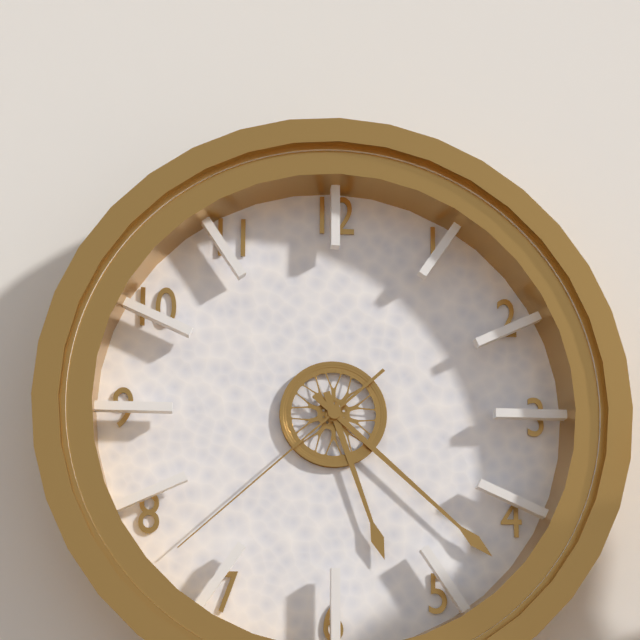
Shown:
h=5 m=22 s=38
